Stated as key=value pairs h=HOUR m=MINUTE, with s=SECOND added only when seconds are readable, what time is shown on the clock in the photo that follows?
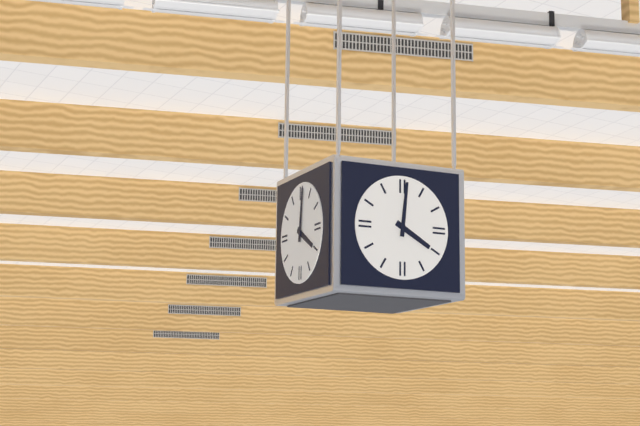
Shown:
h=4 m=1
